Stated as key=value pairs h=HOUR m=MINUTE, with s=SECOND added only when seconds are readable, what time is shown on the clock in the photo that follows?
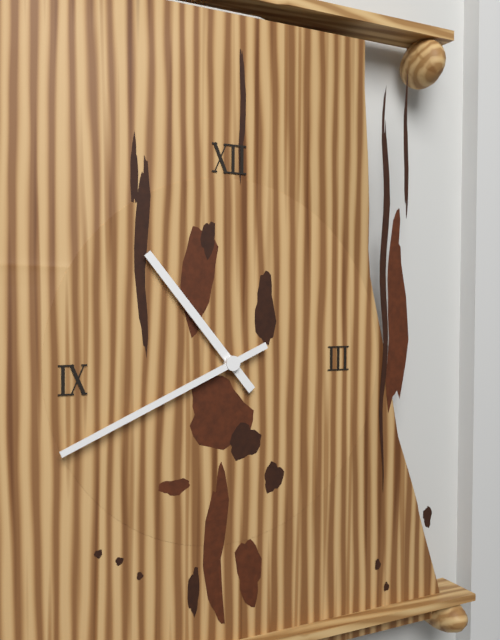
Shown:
h=10 m=41
